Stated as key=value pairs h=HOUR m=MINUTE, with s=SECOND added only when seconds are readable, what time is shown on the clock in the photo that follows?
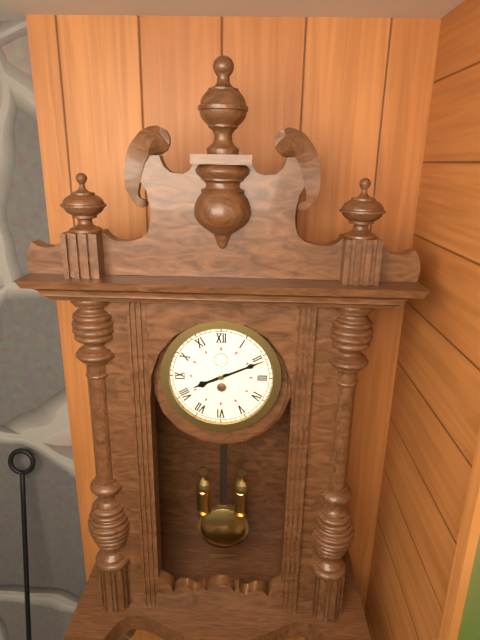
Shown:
h=8 m=11
